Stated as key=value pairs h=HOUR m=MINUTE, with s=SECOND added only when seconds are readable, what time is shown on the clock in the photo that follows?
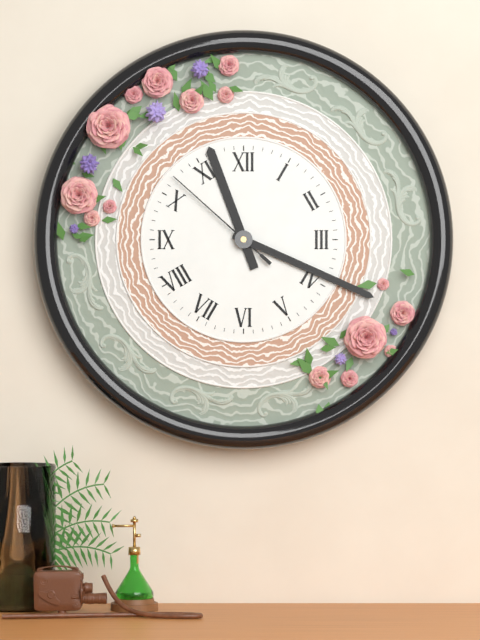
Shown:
h=11 m=19 s=52
